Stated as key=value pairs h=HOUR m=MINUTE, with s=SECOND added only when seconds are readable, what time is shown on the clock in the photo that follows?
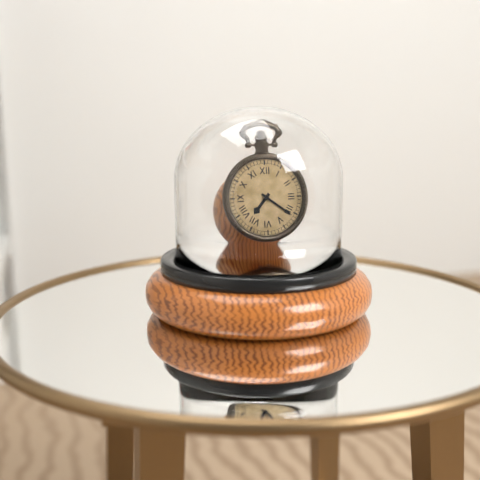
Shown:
h=7 m=21
